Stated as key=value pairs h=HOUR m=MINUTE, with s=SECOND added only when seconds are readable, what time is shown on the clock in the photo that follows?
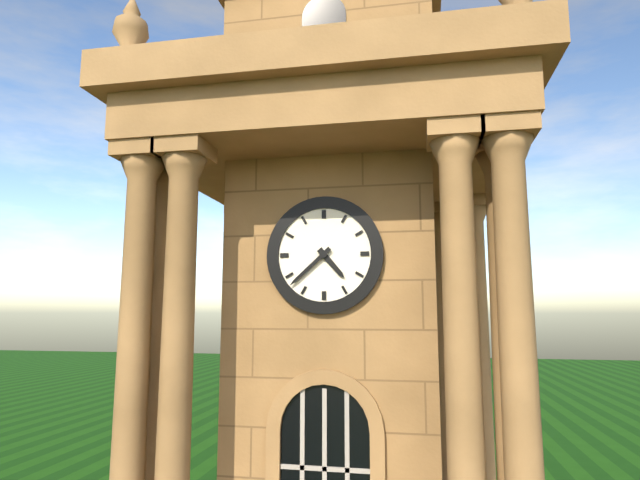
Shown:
h=4 m=38
